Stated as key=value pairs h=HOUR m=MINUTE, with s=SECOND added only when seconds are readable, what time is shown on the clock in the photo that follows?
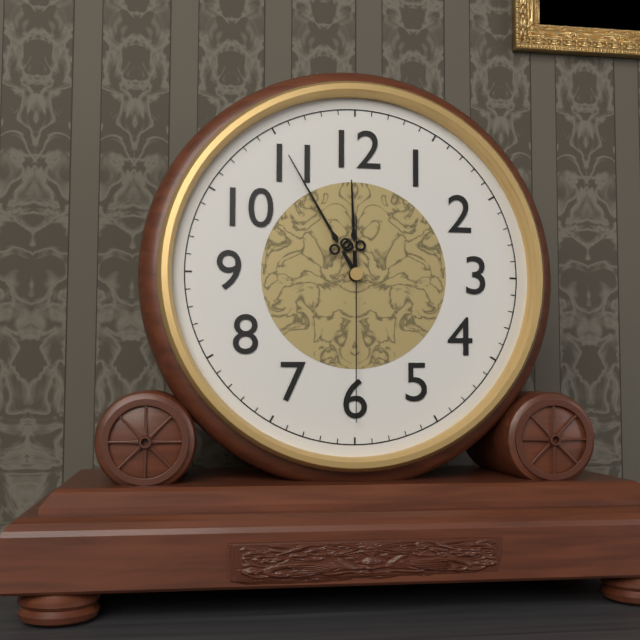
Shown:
h=11 m=55 s=30
